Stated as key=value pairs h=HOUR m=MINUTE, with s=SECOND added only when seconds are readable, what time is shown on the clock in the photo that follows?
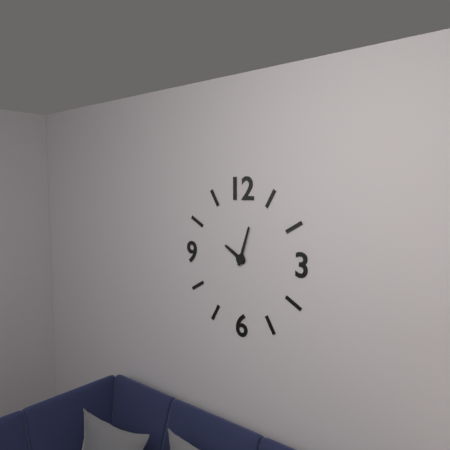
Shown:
h=10 m=3
